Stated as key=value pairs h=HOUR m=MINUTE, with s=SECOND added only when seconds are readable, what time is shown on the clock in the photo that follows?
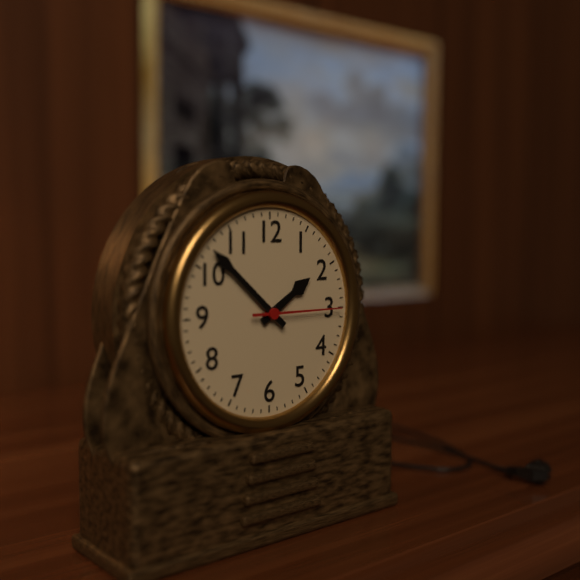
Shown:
h=1 m=52 s=15
